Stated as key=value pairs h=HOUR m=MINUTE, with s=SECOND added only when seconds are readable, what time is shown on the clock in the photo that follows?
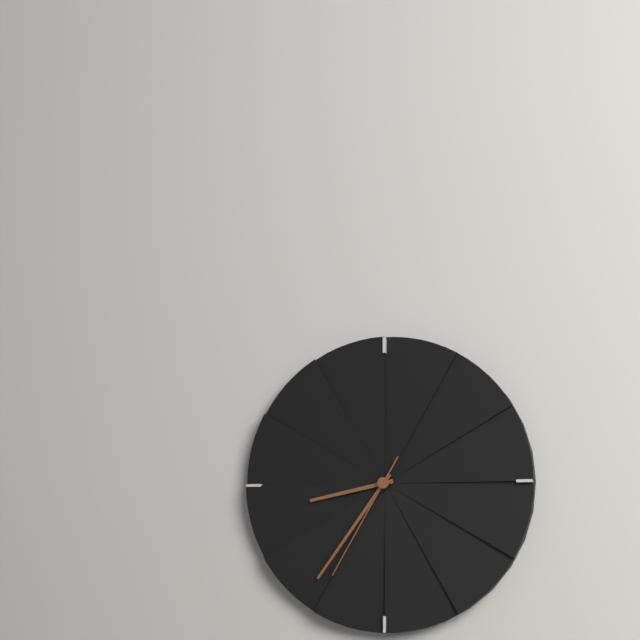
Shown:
h=8 m=36 s=35
